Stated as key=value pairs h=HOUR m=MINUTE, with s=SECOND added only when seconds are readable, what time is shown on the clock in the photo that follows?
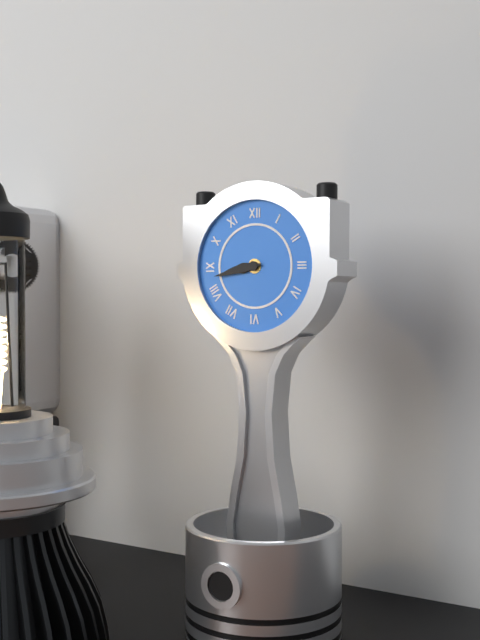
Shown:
h=8 m=43
